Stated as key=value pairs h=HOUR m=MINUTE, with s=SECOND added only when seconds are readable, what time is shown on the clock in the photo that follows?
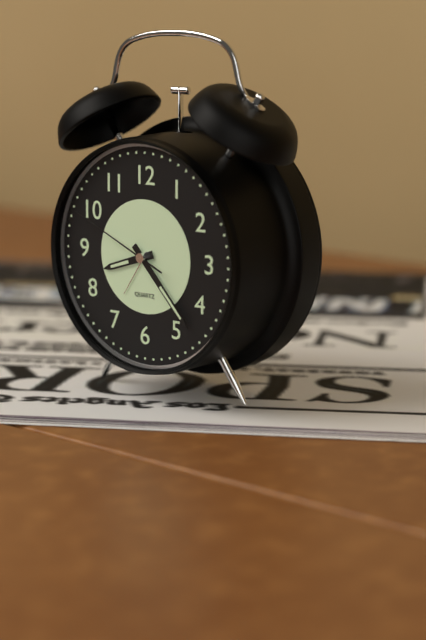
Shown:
h=8 m=23 s=49
